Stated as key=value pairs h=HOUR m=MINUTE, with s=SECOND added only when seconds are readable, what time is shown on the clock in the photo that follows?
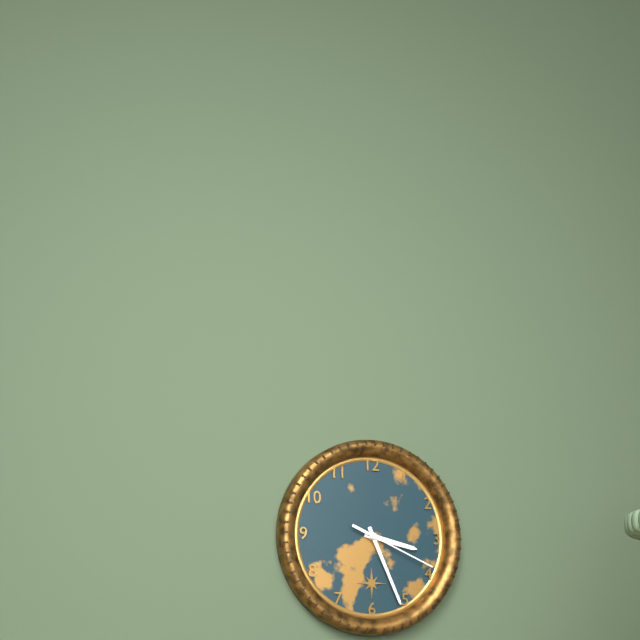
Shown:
h=3 m=26 s=19
